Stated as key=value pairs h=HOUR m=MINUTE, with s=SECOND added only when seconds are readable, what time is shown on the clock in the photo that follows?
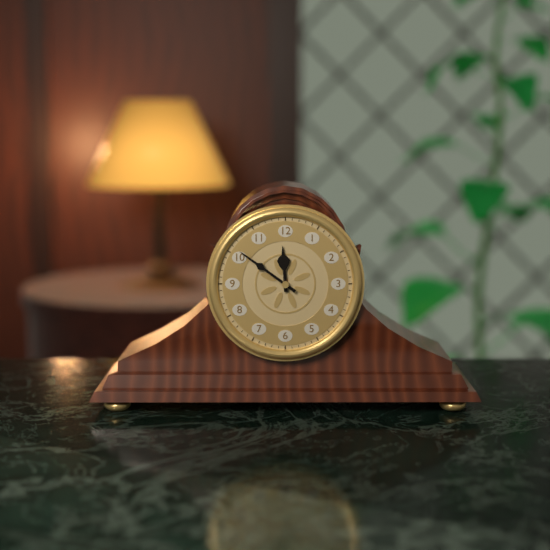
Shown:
h=11 m=51
